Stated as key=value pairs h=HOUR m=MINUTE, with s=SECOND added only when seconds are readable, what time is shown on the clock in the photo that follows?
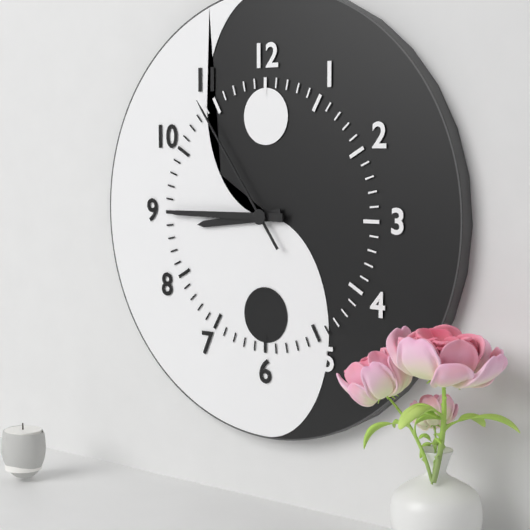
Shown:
h=8 m=45 s=54
